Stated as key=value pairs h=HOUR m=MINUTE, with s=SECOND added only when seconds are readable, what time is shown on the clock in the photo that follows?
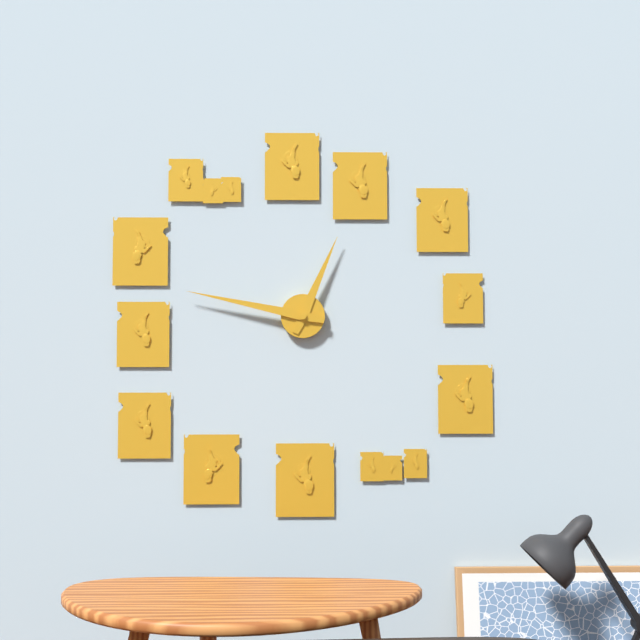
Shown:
h=12 m=47
